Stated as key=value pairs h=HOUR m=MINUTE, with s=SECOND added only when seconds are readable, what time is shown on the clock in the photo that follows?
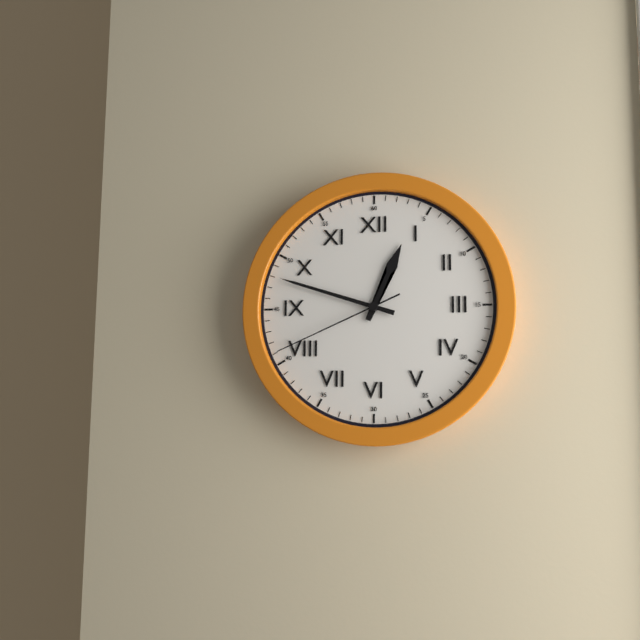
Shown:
h=12 m=48 s=41
